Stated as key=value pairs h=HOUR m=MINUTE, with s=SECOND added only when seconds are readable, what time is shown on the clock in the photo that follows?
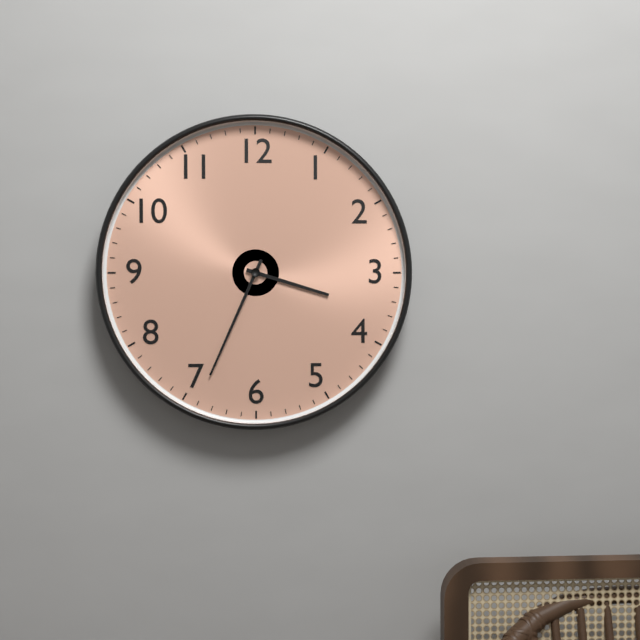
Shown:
h=3 m=34
